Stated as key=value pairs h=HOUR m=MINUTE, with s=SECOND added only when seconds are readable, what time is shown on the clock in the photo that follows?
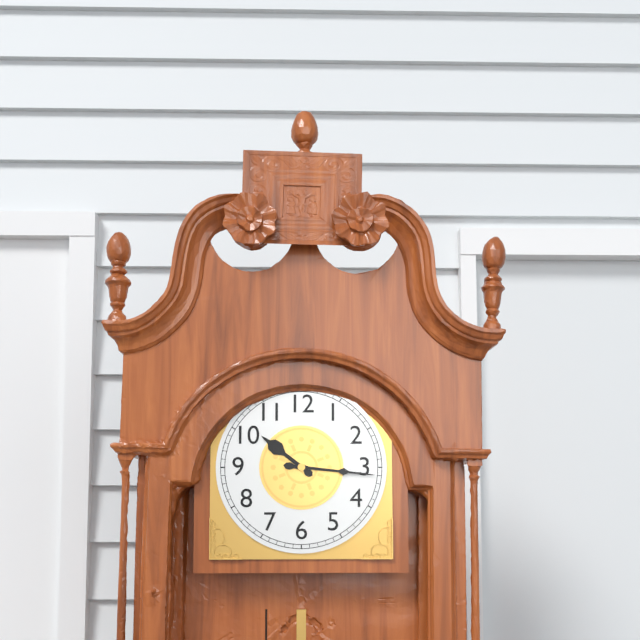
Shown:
h=10 m=16
